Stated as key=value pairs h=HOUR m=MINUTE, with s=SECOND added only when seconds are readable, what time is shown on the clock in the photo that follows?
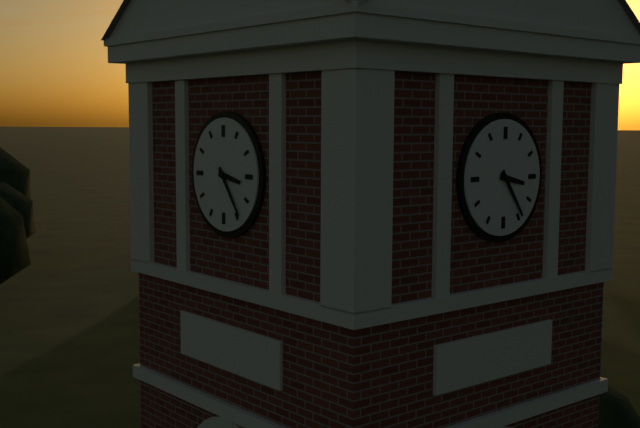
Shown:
h=3 m=24
